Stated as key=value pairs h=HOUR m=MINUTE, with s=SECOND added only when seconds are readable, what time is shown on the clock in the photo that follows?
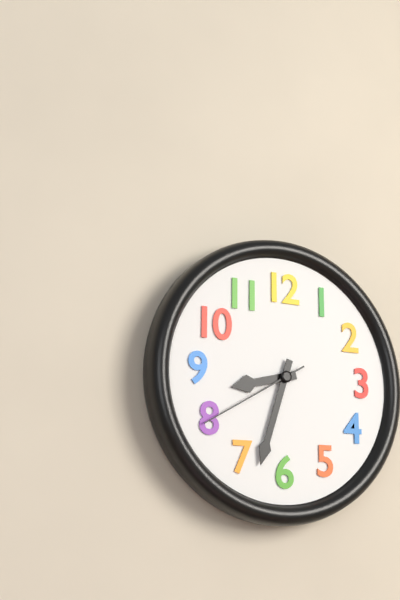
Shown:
h=8 m=33 s=40
